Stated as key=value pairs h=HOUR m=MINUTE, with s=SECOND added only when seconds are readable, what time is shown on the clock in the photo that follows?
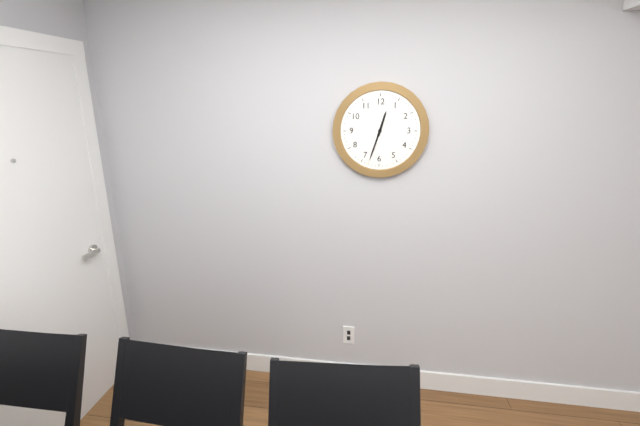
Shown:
h=12 m=33
